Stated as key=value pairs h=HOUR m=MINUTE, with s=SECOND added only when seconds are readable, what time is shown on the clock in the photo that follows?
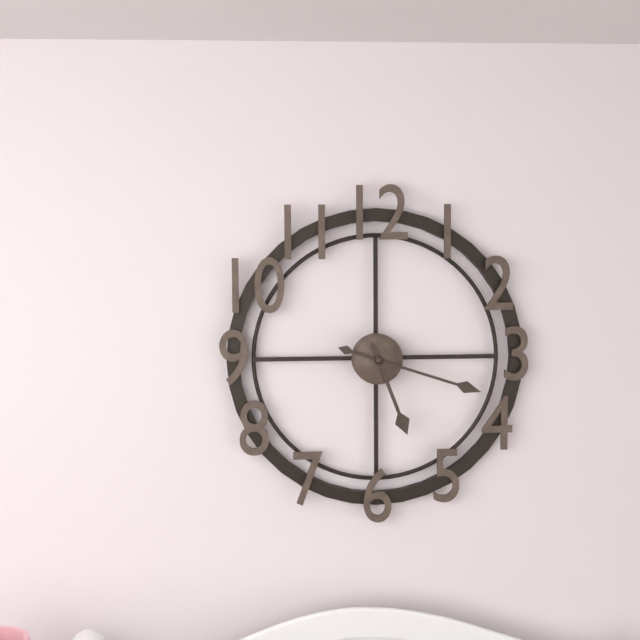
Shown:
h=5 m=18
